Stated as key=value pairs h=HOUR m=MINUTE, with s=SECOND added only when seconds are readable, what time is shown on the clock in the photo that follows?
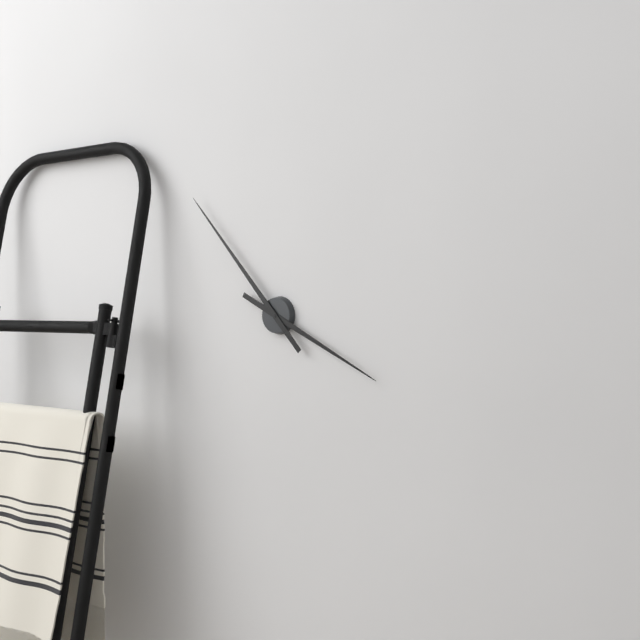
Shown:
h=3 m=53
